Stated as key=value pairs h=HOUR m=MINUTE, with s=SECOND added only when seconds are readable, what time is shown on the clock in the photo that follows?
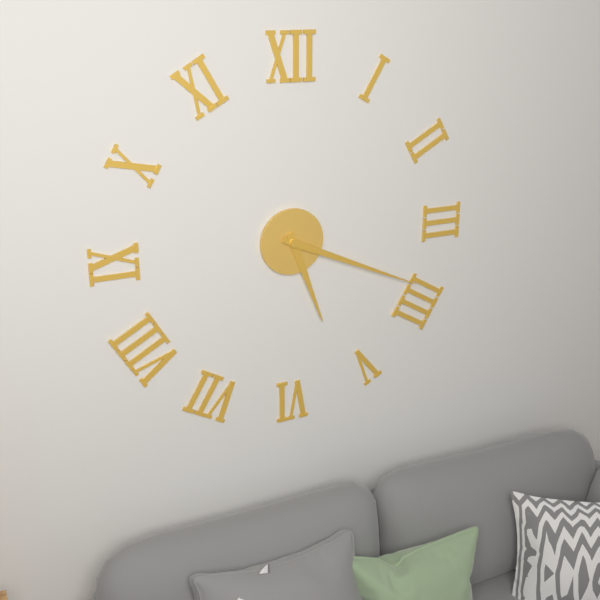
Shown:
h=5 m=19
